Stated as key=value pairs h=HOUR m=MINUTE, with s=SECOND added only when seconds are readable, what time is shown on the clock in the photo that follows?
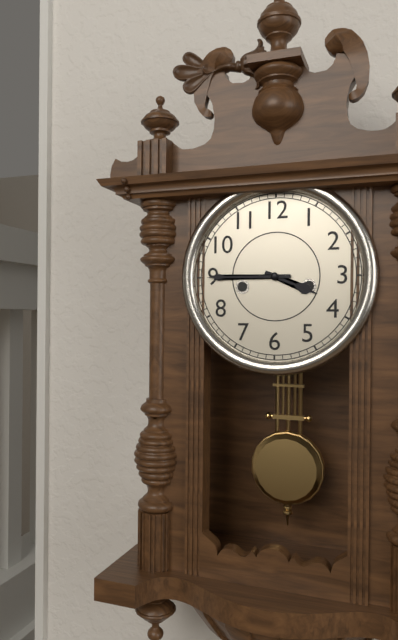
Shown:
h=3 m=45
